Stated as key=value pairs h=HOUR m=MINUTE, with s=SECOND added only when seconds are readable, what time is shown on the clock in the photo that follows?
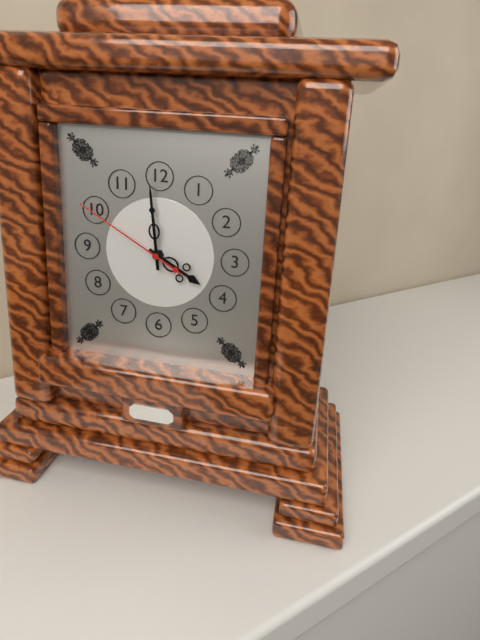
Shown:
h=3 m=59 s=50
